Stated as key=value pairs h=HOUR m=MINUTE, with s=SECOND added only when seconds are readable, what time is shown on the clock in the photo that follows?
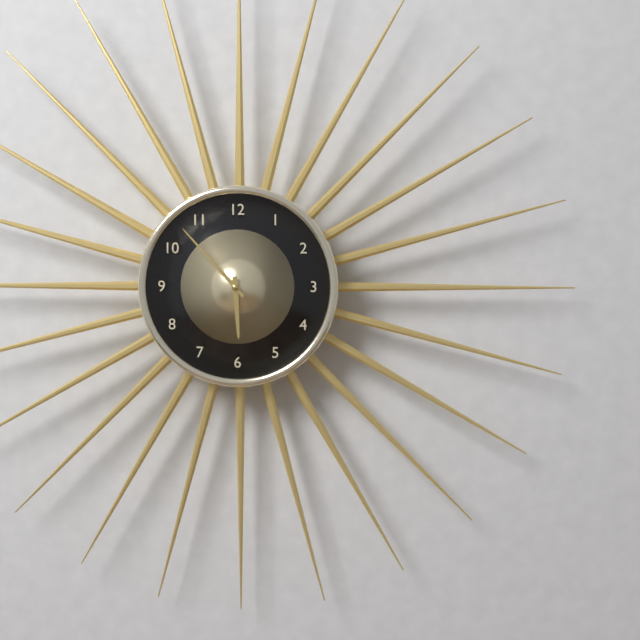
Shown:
h=5 m=53
